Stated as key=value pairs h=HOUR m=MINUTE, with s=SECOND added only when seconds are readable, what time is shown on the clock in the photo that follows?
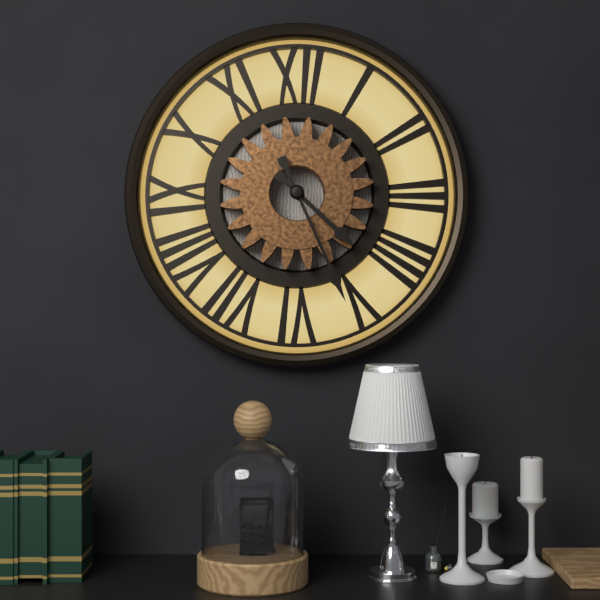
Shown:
h=4 m=26
